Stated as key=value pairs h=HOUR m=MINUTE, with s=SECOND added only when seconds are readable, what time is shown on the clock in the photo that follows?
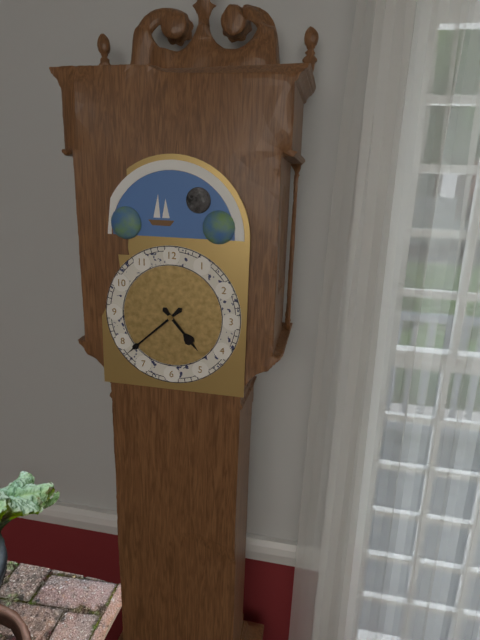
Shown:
h=4 m=38
